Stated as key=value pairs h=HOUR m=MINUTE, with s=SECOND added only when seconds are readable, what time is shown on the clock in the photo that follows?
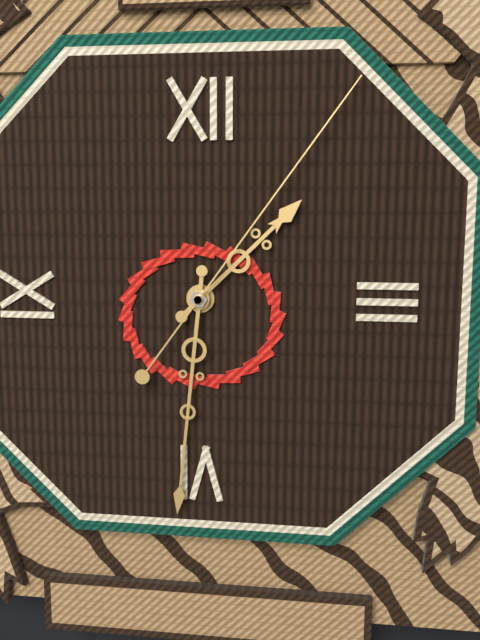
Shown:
h=1 m=31 s=6
